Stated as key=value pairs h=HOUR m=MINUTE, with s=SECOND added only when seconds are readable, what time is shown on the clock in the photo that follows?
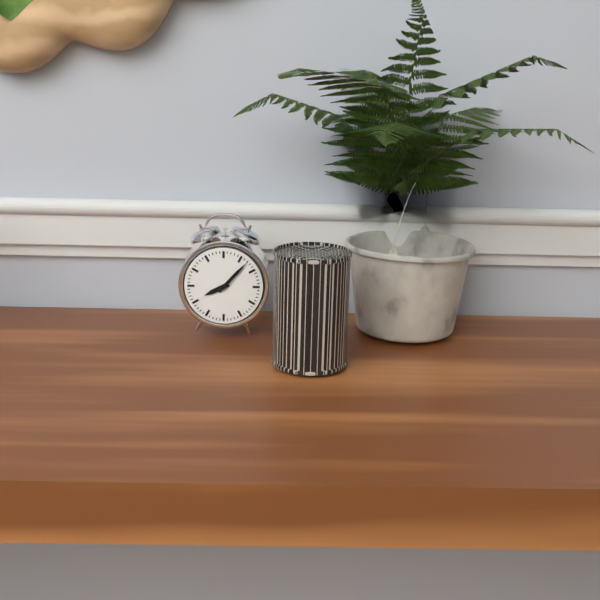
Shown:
h=8 m=7
